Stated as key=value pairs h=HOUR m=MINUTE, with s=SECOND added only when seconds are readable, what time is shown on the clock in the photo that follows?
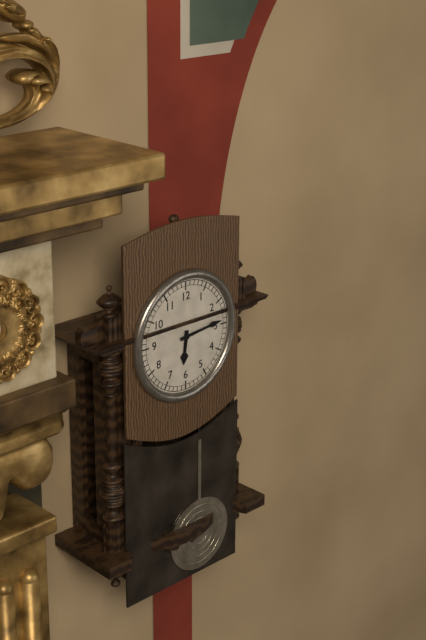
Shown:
h=6 m=14
